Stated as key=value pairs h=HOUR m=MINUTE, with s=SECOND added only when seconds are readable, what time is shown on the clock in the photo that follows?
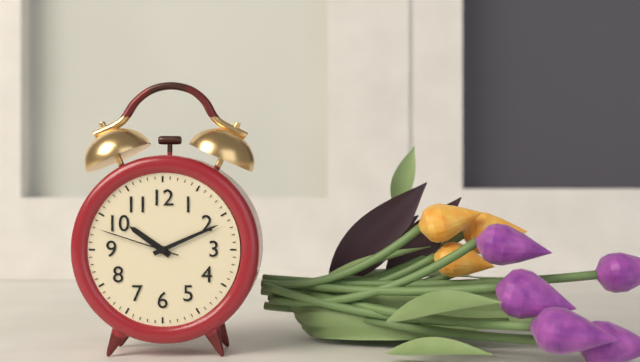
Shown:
h=10 m=11 s=48
